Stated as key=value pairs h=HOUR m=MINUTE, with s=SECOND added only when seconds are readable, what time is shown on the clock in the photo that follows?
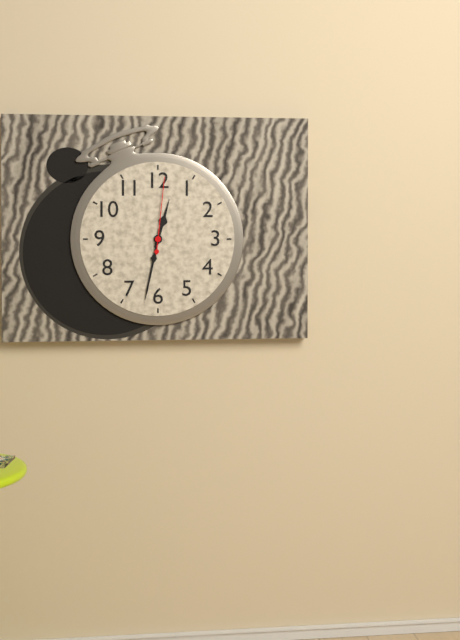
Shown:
h=12 m=32 s=1
